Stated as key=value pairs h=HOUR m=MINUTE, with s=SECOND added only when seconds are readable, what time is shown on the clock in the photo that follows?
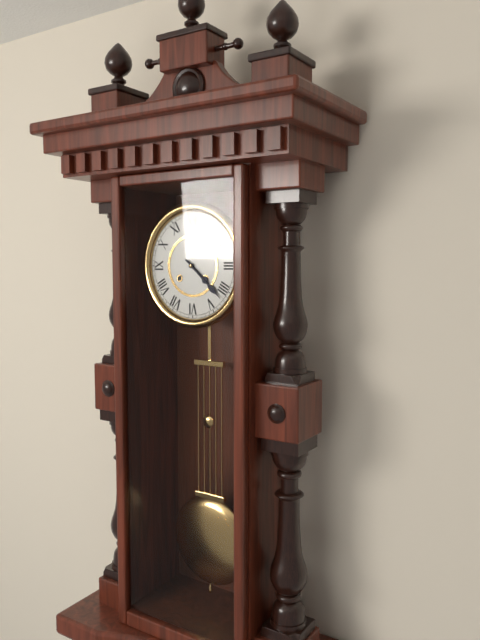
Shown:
h=4 m=22
